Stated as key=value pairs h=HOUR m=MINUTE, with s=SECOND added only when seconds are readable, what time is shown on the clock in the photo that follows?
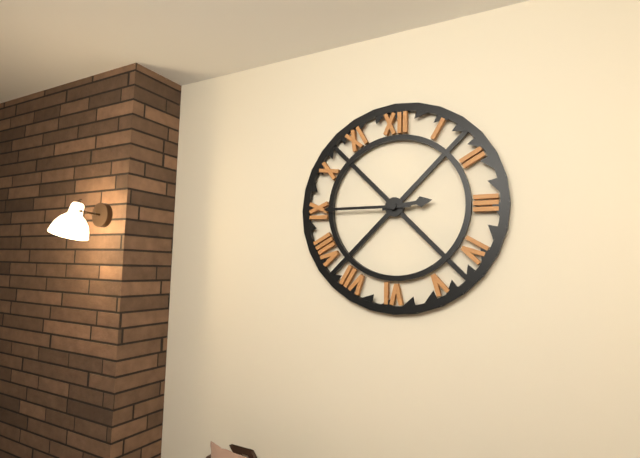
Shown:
h=2 m=45
